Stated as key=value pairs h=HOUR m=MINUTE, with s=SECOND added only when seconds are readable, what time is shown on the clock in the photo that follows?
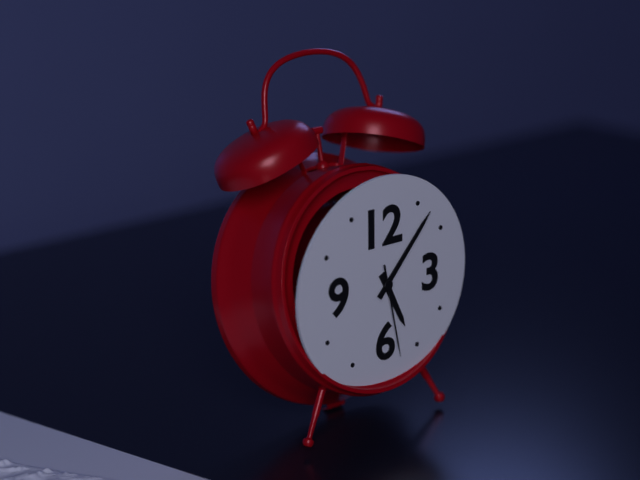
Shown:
h=5 m=7 s=28
